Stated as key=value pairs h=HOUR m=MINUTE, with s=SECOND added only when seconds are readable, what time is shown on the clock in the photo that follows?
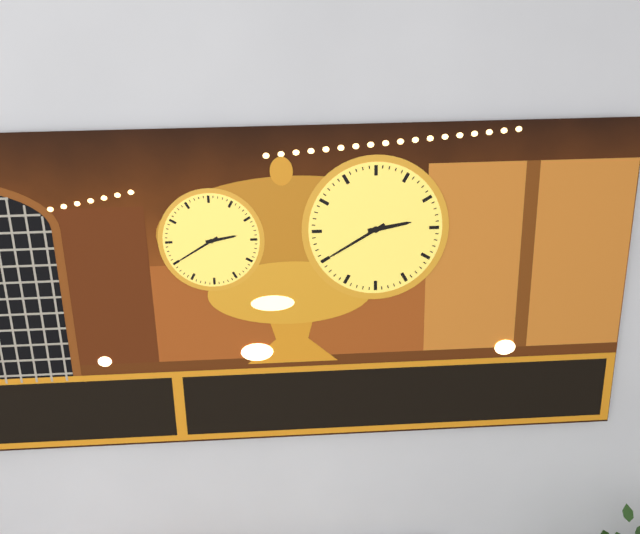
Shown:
h=2 m=40
